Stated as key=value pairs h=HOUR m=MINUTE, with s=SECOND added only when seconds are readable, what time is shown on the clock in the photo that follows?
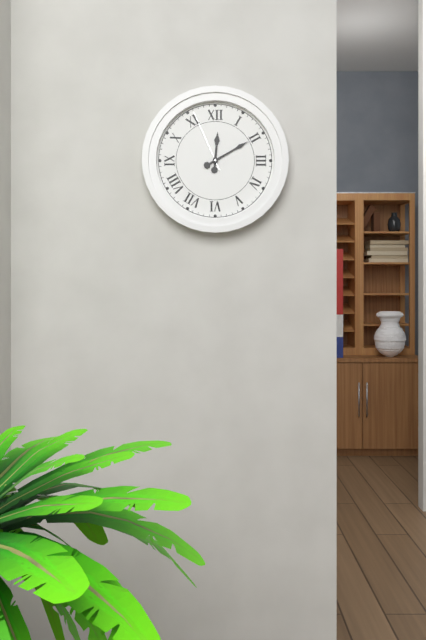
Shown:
h=12 m=10 s=56
